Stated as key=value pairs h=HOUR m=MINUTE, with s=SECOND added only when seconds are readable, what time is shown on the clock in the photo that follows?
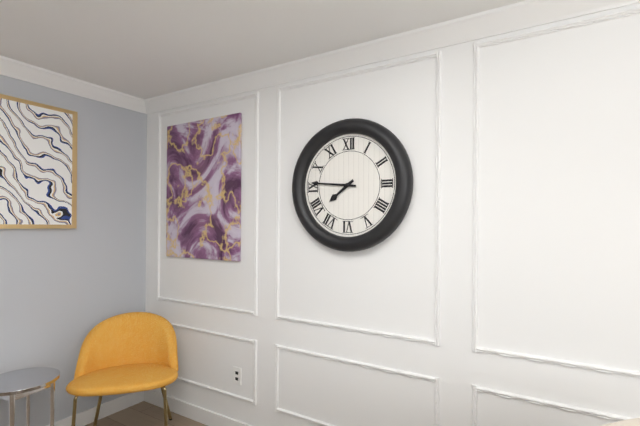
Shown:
h=7 m=46
